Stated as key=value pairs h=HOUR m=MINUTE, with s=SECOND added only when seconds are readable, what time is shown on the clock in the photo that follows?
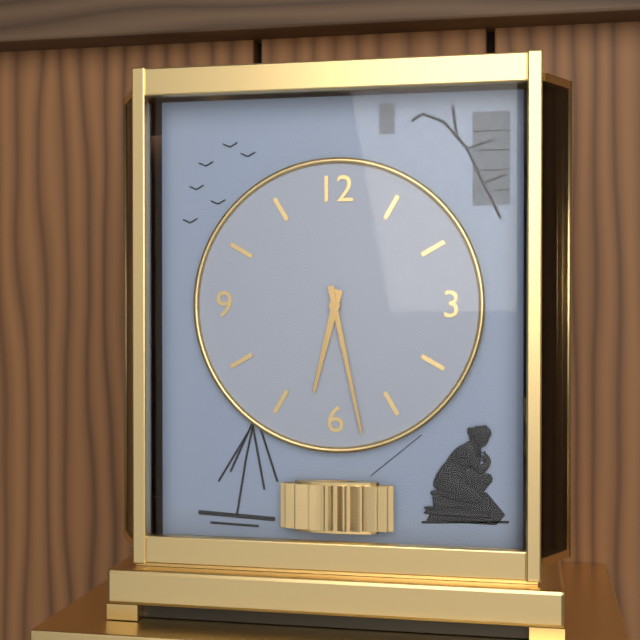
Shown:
h=6 m=28
